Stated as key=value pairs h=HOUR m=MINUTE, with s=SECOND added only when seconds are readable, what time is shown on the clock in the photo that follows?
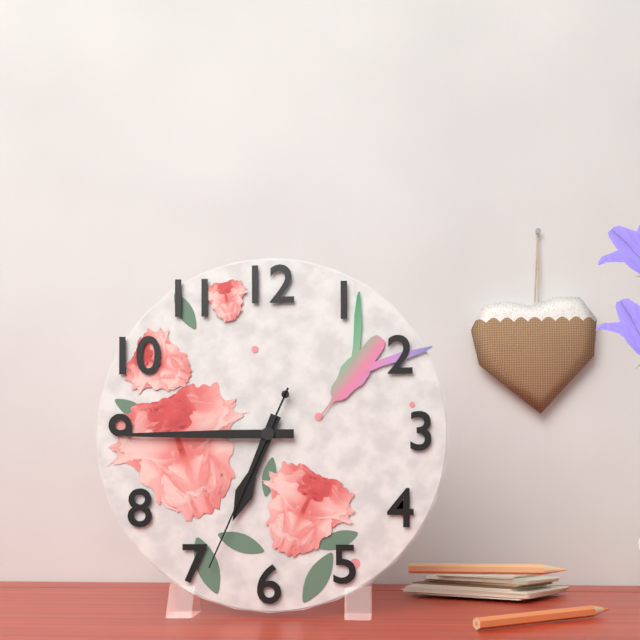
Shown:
h=6 m=45 s=34
